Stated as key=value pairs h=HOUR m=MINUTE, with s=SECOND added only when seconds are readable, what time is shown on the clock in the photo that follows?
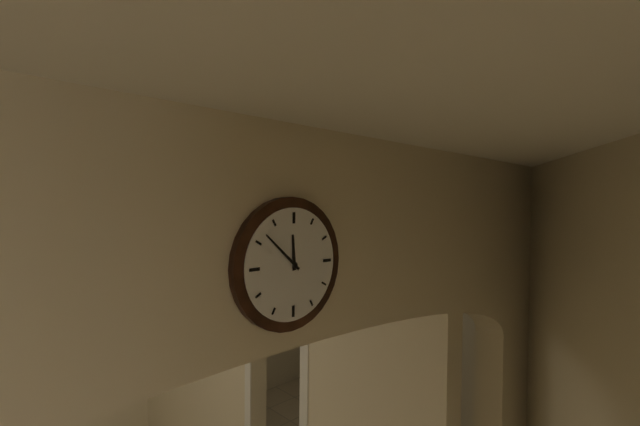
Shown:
h=11 m=52
